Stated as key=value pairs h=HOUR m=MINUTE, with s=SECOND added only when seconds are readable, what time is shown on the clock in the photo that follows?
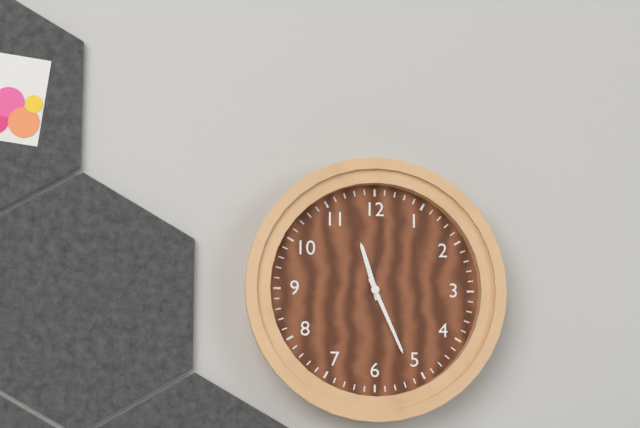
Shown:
h=11 m=26
